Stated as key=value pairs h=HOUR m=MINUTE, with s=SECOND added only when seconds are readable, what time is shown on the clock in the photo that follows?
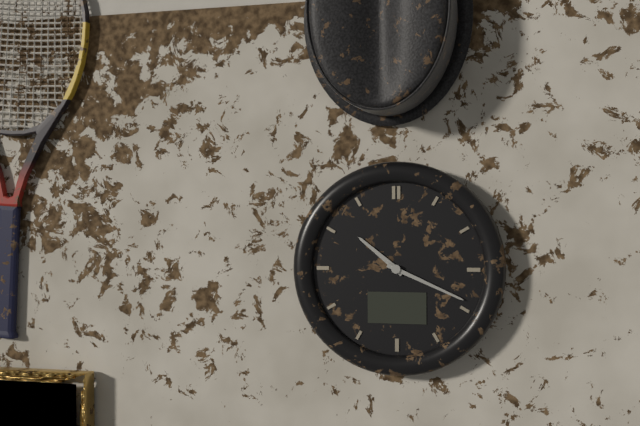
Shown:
h=10 m=19
